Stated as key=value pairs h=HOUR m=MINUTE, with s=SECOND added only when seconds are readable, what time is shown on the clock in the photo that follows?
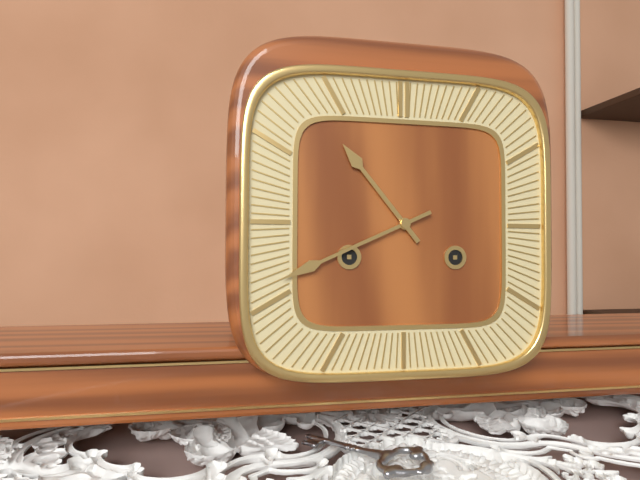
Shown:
h=10 m=41
